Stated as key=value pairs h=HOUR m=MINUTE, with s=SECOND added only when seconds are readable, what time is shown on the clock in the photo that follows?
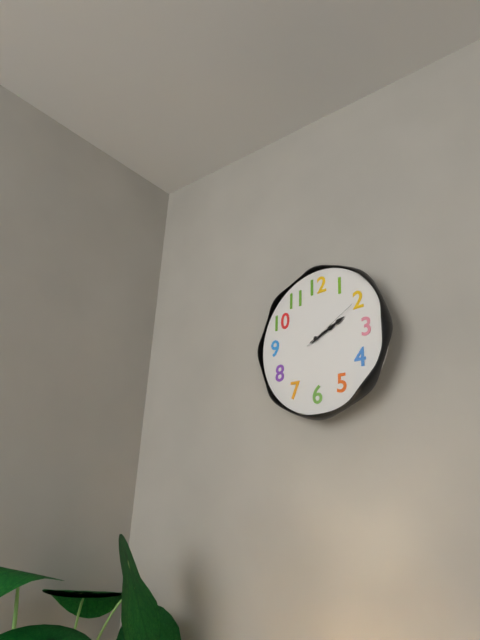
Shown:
h=2 m=11 s=10
